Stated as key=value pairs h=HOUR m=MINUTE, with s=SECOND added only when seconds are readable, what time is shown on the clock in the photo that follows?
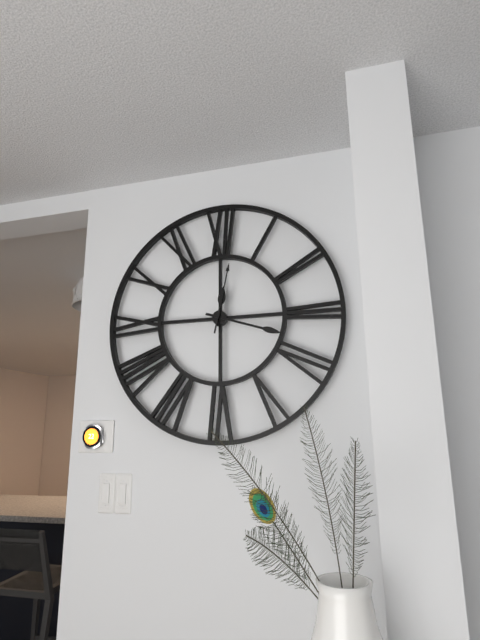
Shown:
h=12 m=18 s=2
